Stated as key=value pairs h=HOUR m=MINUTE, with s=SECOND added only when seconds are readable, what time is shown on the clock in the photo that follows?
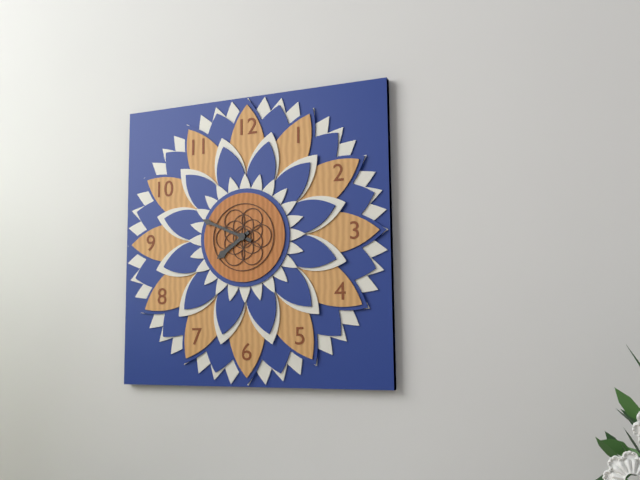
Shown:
h=7 m=49
